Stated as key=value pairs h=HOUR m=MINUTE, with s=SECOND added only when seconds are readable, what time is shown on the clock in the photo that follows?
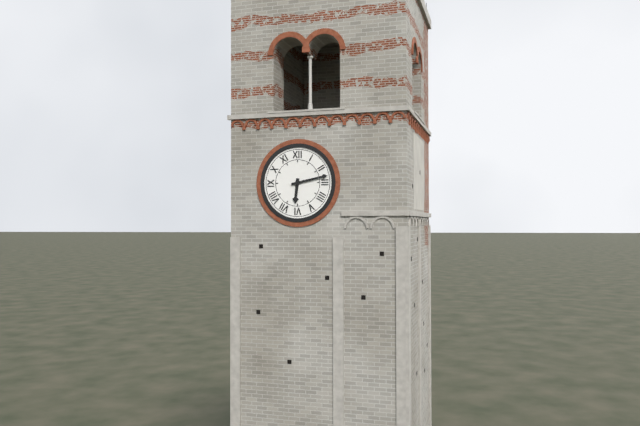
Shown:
h=6 m=13
